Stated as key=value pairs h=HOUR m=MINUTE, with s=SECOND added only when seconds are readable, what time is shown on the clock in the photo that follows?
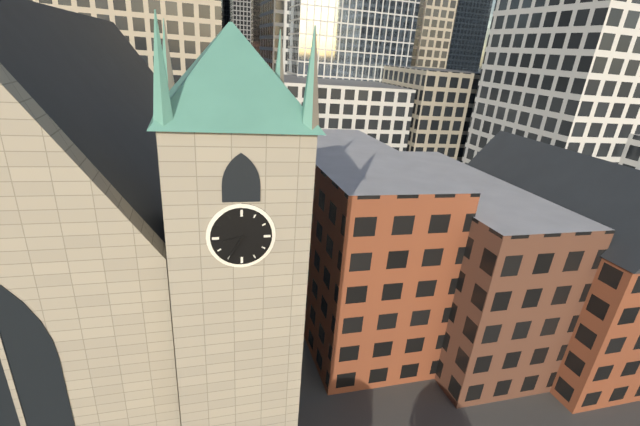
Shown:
h=8 m=35
